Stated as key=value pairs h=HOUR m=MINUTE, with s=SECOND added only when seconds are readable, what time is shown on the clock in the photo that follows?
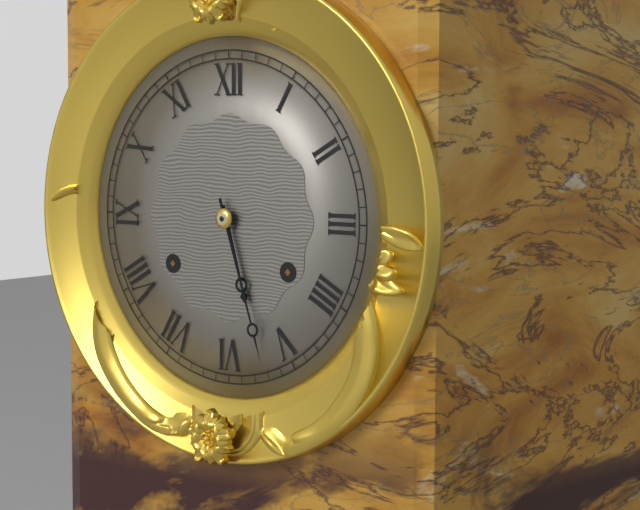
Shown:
h=5 m=27
